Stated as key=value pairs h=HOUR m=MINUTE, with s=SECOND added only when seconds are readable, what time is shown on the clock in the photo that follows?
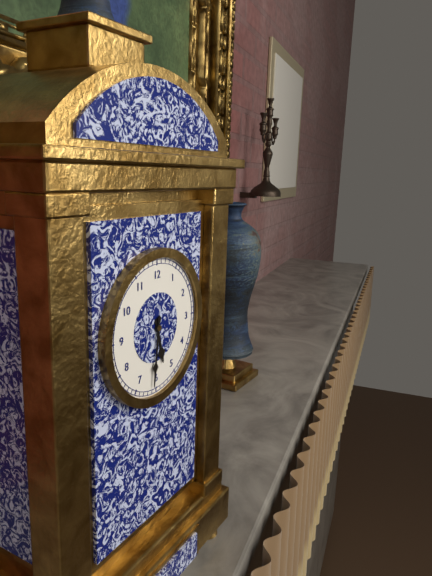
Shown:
h=5 m=31
